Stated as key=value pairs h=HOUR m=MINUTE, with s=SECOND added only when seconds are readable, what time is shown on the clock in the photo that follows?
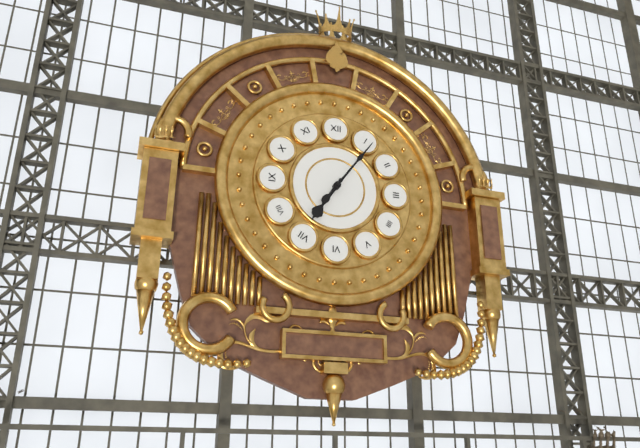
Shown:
h=7 m=6
